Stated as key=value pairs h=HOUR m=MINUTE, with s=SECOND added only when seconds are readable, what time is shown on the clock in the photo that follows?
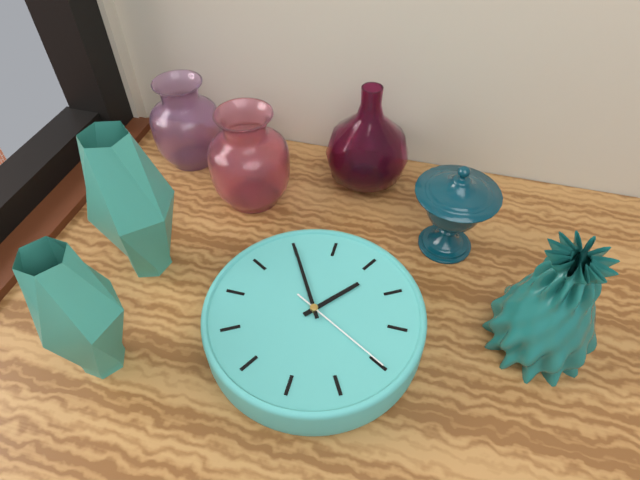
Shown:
h=6 m=20 s=45
